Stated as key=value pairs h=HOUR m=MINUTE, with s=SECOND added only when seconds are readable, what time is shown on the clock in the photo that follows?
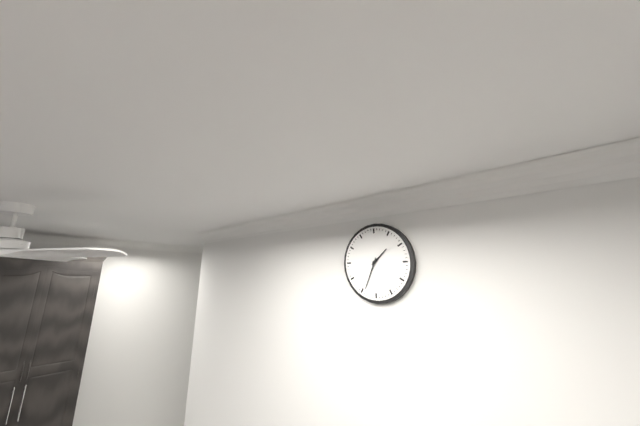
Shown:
h=1 m=34
